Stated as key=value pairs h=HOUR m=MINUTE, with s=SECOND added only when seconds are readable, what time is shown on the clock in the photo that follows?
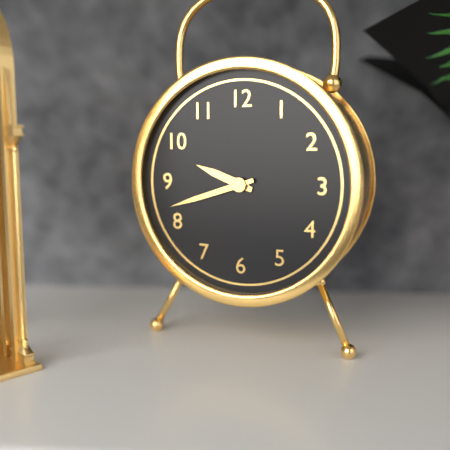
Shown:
h=9 m=42
